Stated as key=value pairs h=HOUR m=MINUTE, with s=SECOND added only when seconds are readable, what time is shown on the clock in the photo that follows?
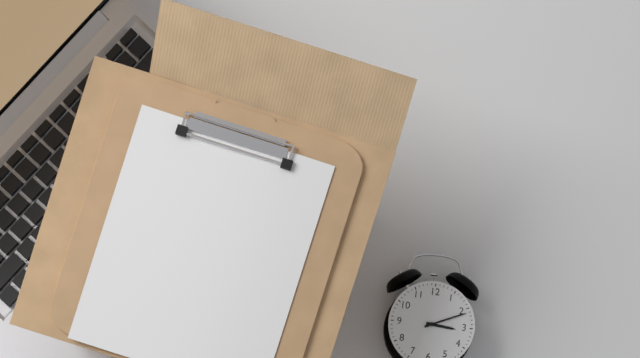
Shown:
h=3 m=11
